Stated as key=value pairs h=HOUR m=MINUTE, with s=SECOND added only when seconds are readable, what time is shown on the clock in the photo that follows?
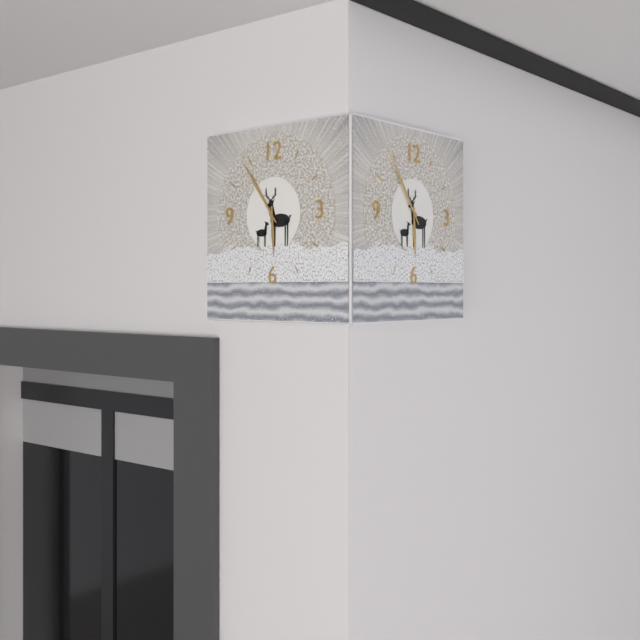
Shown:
h=5 m=54
